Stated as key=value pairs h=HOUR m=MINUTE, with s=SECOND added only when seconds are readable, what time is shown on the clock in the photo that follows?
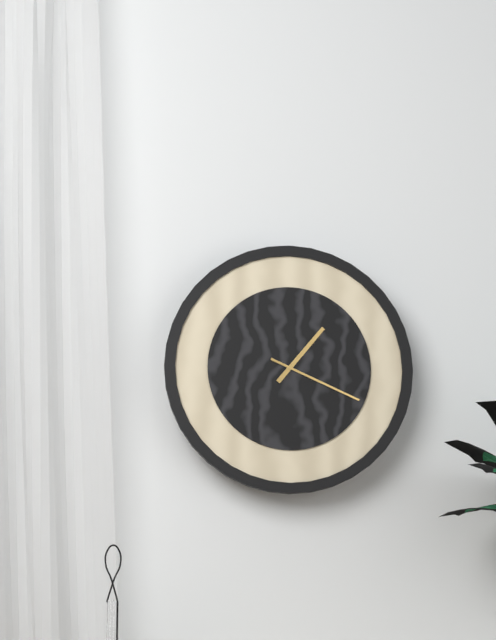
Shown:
h=1 m=19
